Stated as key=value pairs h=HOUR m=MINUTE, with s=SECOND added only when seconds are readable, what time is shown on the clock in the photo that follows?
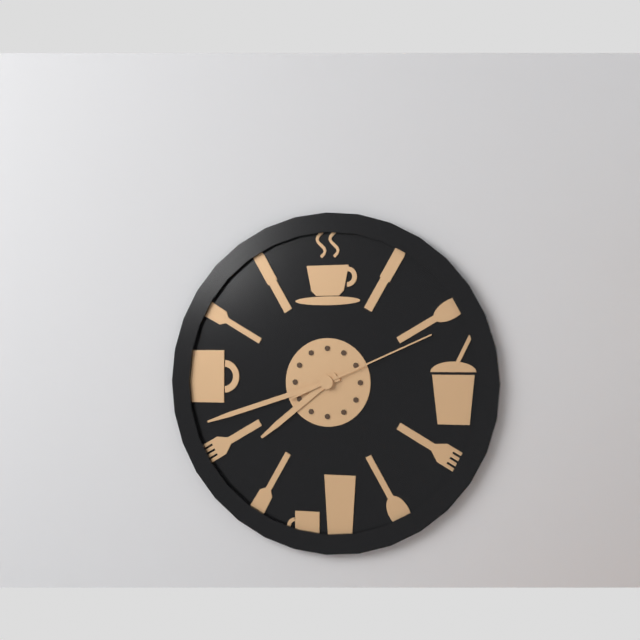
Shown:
h=7 m=42 s=11
